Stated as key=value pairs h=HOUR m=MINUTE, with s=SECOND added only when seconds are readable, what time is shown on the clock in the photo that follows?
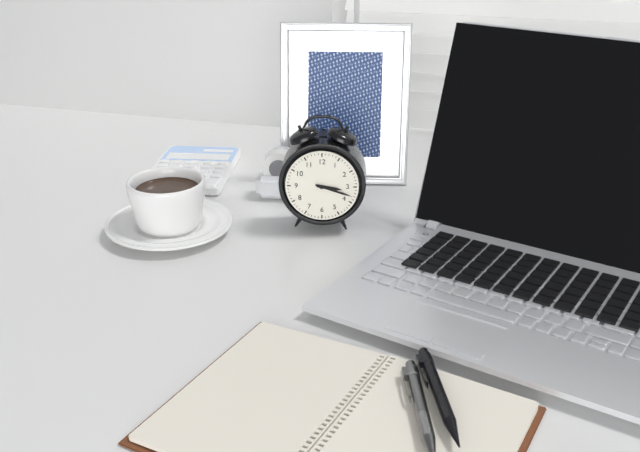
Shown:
h=3 m=18
